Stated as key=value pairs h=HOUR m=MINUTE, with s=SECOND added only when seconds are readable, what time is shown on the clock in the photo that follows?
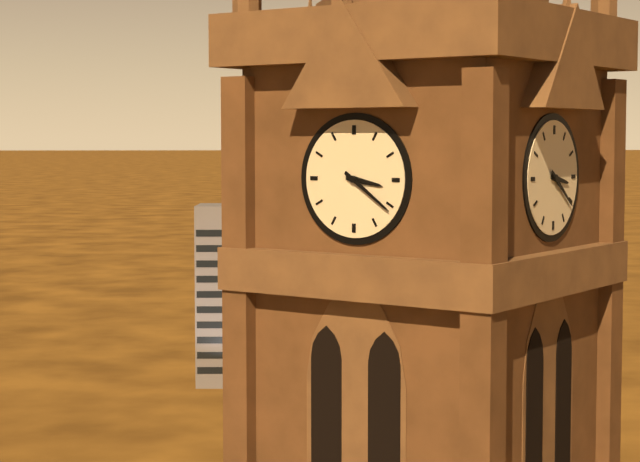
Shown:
h=3 m=21
